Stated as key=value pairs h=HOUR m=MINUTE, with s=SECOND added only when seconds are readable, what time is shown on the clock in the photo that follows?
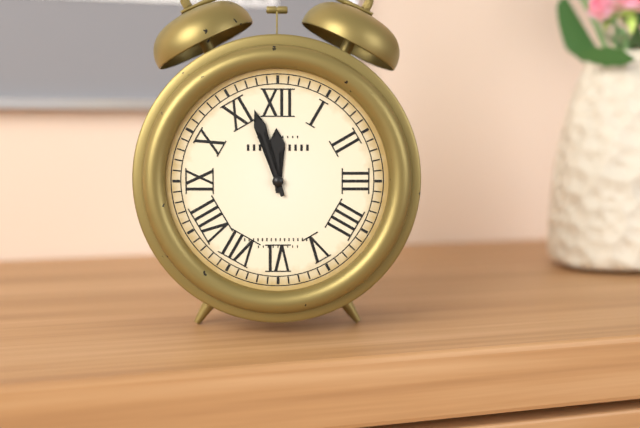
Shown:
h=11 m=57
